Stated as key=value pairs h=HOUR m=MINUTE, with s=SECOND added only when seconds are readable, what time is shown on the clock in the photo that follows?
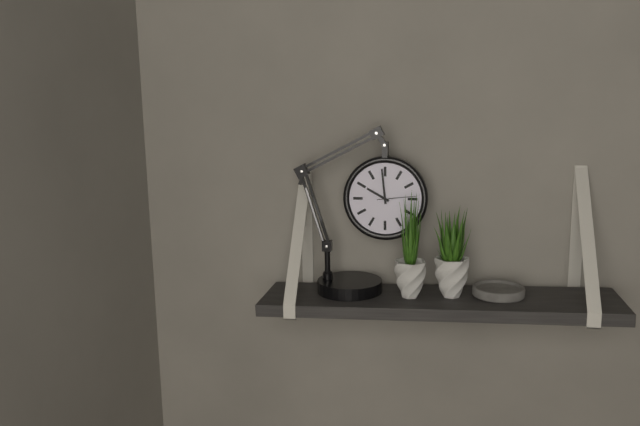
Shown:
h=9 m=59
